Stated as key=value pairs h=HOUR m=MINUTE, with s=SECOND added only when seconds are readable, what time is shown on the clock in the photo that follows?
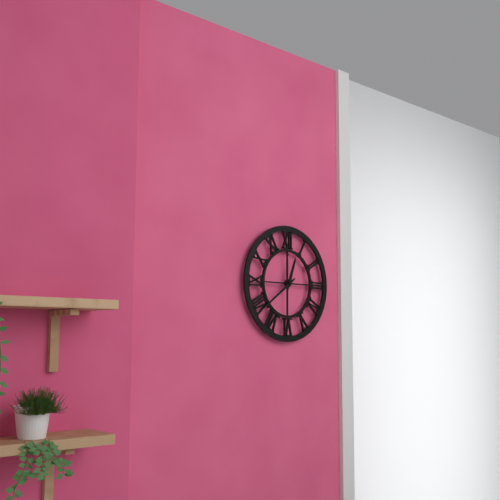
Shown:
h=12 m=39
